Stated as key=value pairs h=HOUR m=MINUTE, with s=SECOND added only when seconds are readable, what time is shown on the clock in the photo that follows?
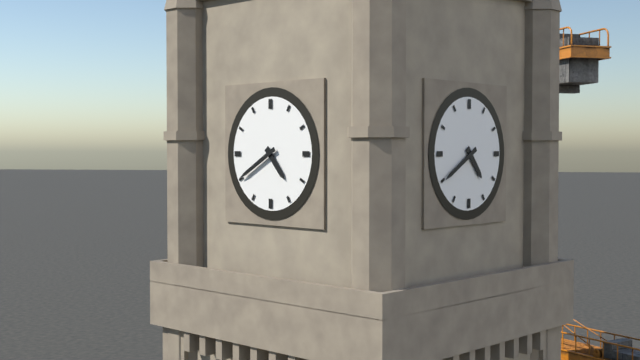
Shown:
h=4 m=40
